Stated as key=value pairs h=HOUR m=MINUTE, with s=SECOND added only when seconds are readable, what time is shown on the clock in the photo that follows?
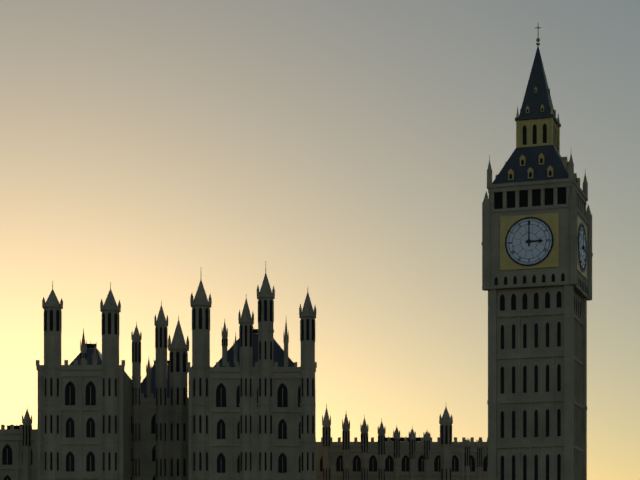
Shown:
h=3 m=0
